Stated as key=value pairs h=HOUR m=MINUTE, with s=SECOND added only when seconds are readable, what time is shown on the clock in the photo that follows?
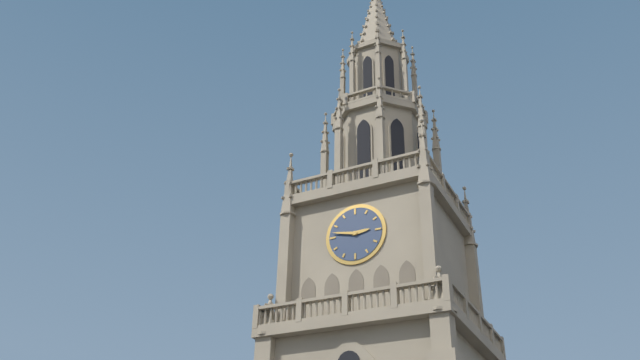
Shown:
h=2 m=47
